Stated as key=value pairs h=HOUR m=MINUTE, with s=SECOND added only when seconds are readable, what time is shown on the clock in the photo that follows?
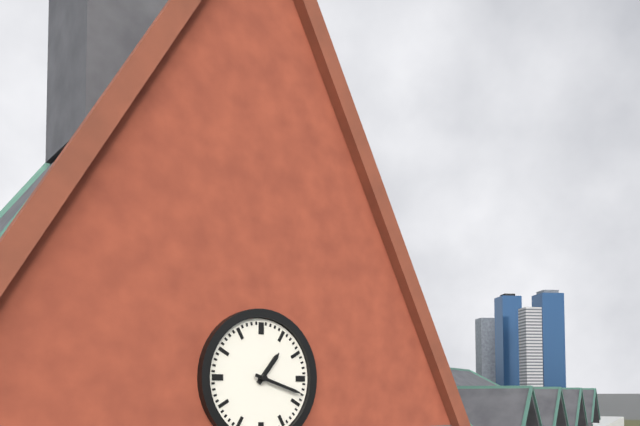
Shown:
h=1 m=18
